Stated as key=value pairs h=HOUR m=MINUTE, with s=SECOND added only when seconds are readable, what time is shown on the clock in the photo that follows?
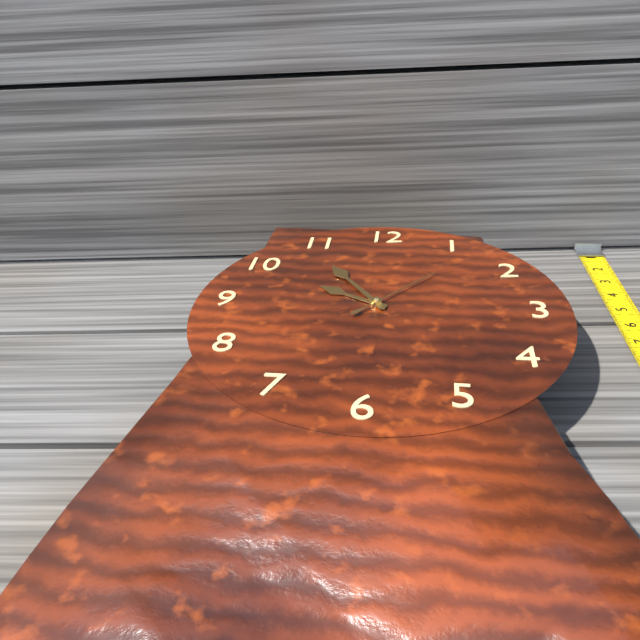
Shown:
h=9 m=54 s=7
